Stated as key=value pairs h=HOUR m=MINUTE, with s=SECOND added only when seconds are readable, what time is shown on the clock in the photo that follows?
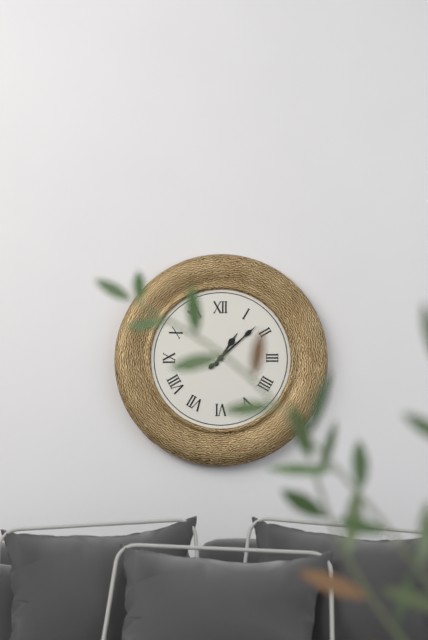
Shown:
h=1 m=8
